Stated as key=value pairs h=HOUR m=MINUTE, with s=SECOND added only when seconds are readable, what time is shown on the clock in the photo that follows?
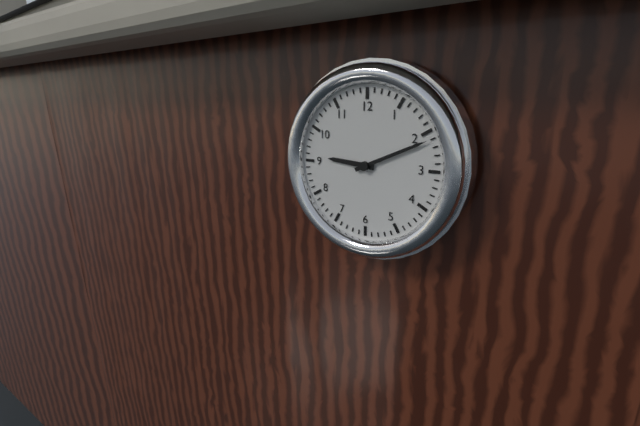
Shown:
h=9 m=11
